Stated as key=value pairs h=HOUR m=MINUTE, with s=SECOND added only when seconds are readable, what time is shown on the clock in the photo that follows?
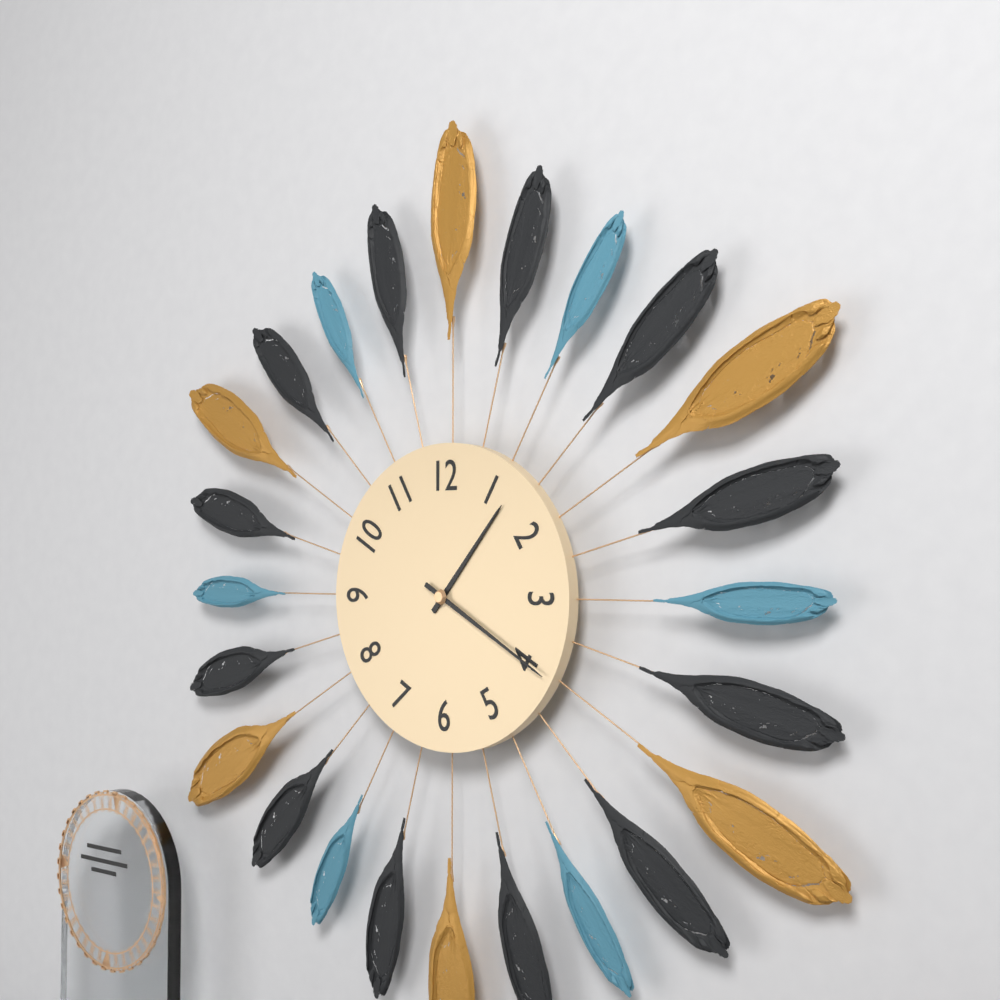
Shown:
h=1 m=20
